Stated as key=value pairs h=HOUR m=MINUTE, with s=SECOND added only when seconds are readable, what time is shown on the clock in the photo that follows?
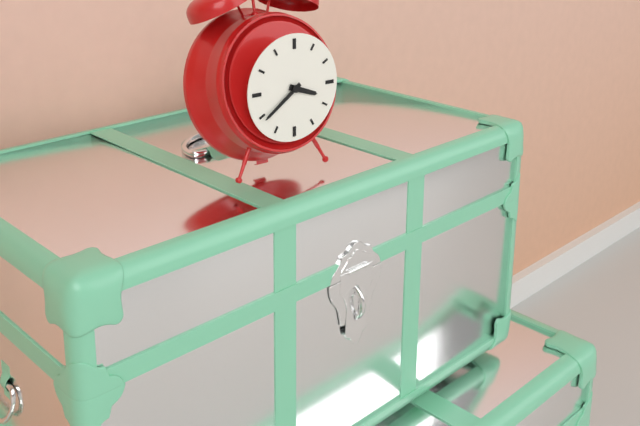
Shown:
h=3 m=39
